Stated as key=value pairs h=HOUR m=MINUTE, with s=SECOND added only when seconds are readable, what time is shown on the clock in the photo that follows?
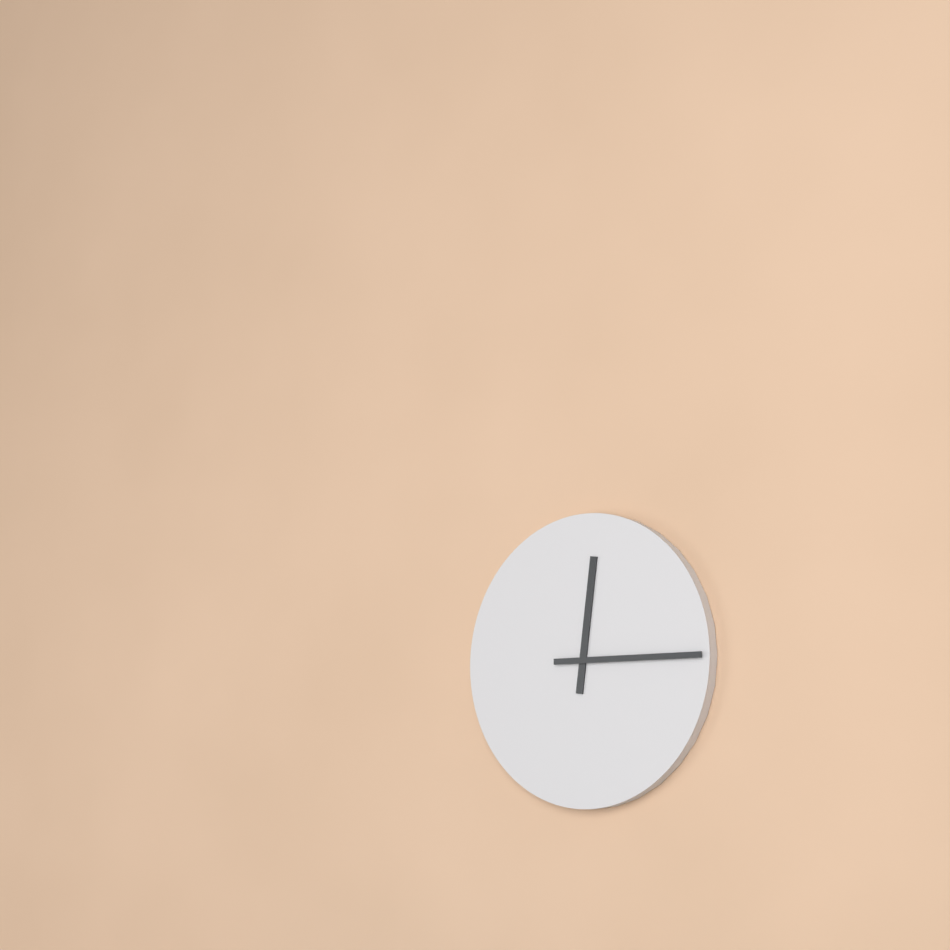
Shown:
h=12 m=15
